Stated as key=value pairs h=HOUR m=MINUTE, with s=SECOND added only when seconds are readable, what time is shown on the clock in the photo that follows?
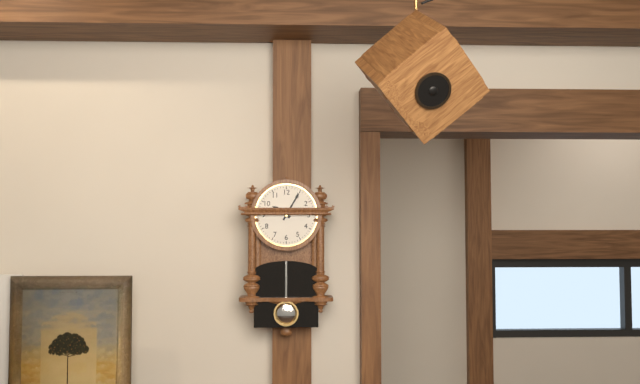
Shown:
h=10 m=5
